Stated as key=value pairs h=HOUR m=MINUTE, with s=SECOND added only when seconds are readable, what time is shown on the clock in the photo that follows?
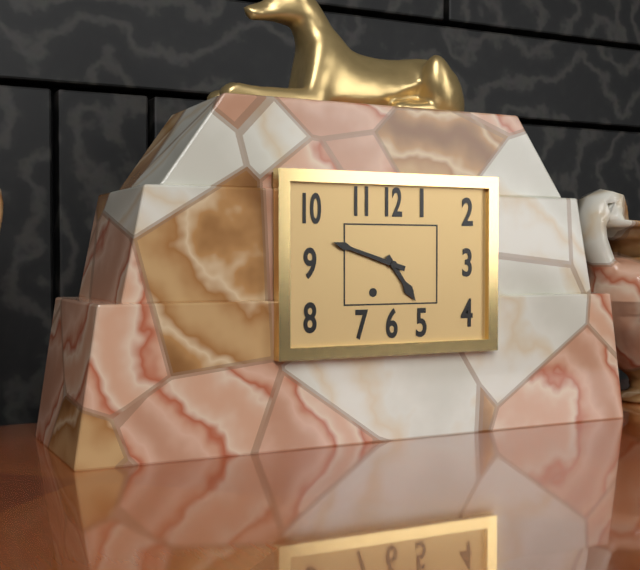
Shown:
h=4 m=48
